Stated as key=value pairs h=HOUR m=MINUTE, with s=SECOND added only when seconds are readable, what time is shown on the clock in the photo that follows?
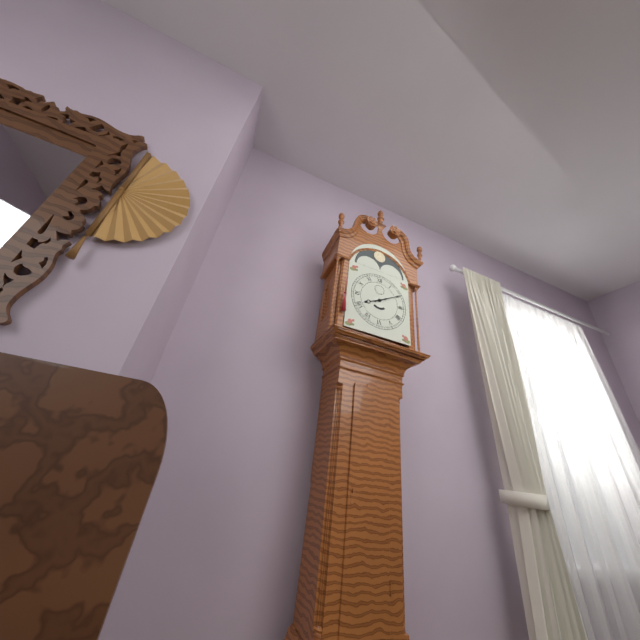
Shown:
h=8 m=10
